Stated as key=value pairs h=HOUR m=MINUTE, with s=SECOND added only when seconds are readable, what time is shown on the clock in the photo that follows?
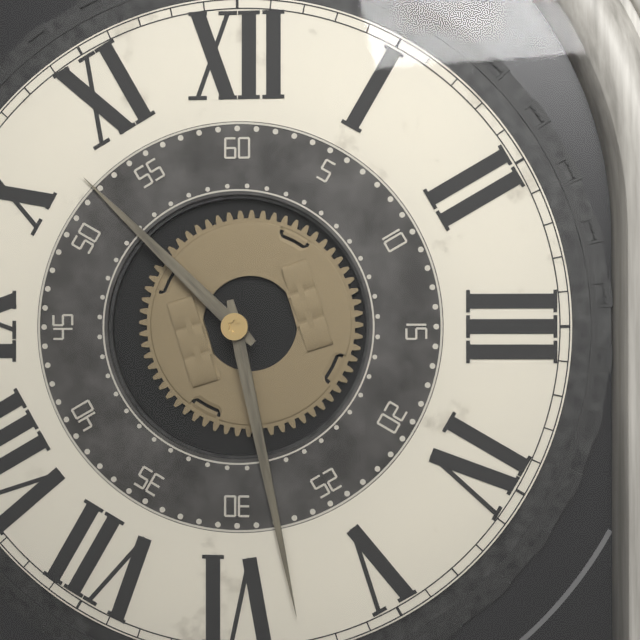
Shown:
h=10 m=28
